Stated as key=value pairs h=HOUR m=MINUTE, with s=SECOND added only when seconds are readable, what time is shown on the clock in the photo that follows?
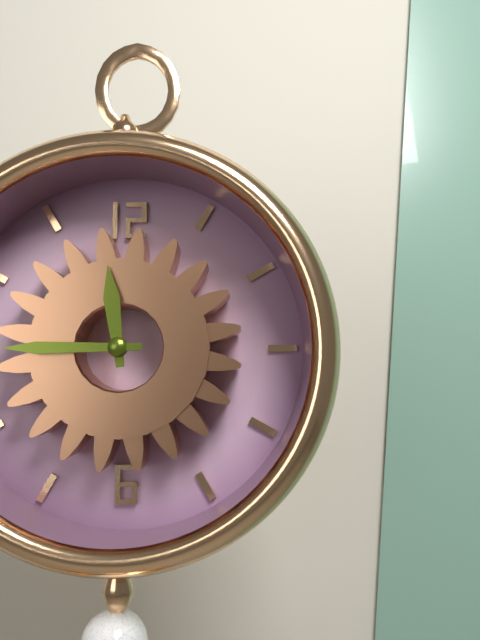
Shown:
h=11 m=45
